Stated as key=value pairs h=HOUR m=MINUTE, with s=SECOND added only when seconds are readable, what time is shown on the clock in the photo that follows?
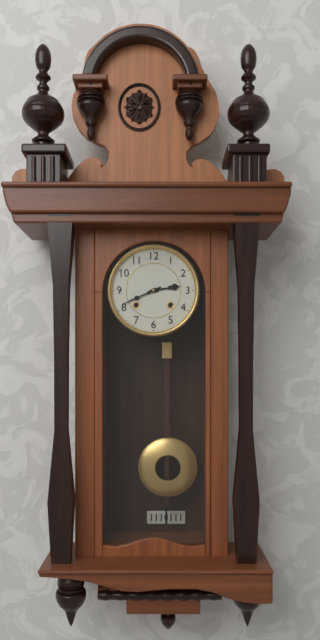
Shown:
h=2 m=41
